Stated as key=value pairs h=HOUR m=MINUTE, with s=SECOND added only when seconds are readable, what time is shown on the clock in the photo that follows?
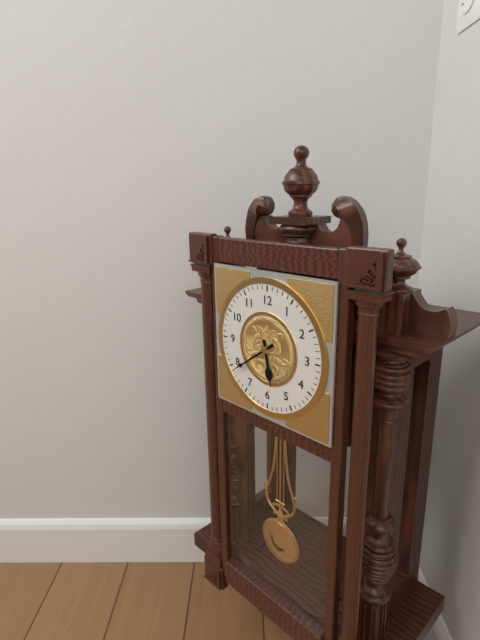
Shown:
h=5 m=39
